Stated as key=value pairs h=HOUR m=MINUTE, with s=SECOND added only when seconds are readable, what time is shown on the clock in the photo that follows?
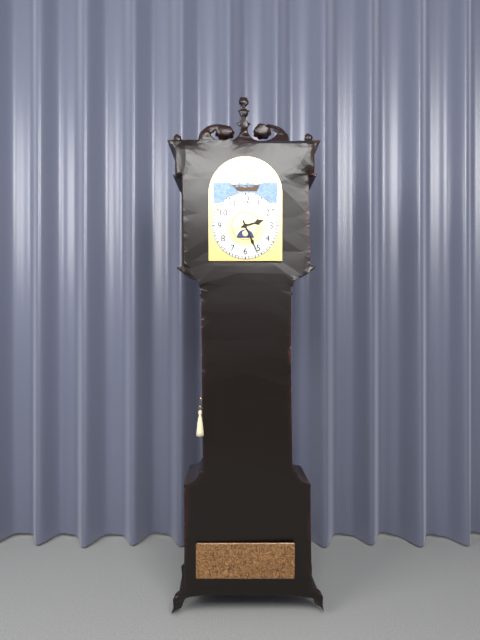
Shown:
h=2 m=26
